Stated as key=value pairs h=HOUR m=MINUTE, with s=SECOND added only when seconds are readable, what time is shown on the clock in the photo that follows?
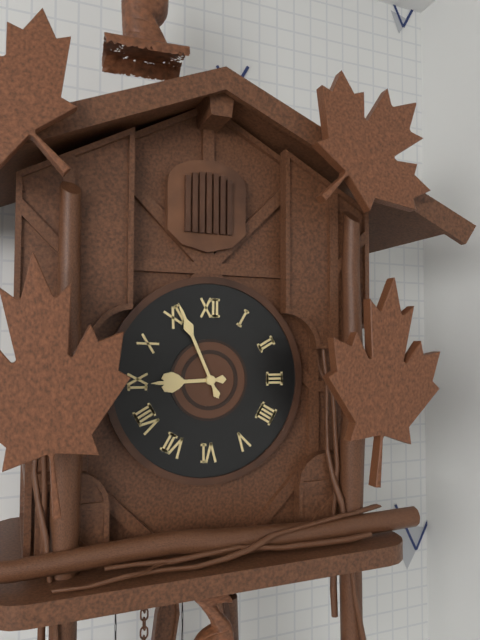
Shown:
h=8 m=56
